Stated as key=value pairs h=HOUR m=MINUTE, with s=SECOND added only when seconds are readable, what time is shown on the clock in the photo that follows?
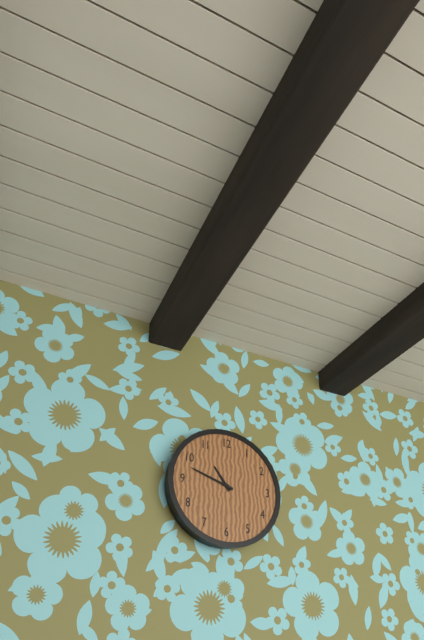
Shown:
h=10 m=48
